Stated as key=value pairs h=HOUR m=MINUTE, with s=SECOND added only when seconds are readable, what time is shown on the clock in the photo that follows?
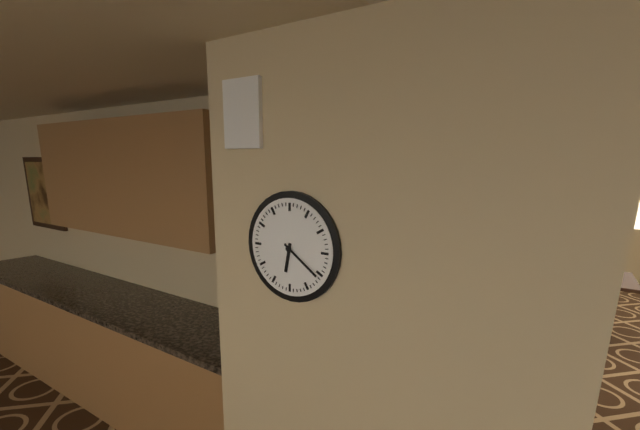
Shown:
h=6 m=21
